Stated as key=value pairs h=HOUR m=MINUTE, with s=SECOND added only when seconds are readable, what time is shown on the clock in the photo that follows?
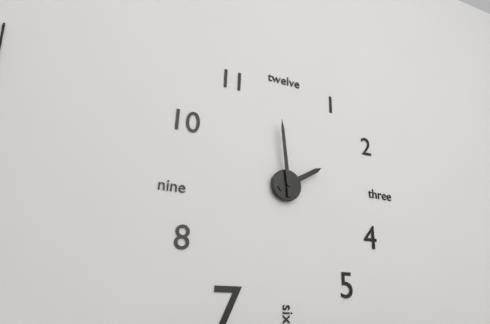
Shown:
h=1 m=59
